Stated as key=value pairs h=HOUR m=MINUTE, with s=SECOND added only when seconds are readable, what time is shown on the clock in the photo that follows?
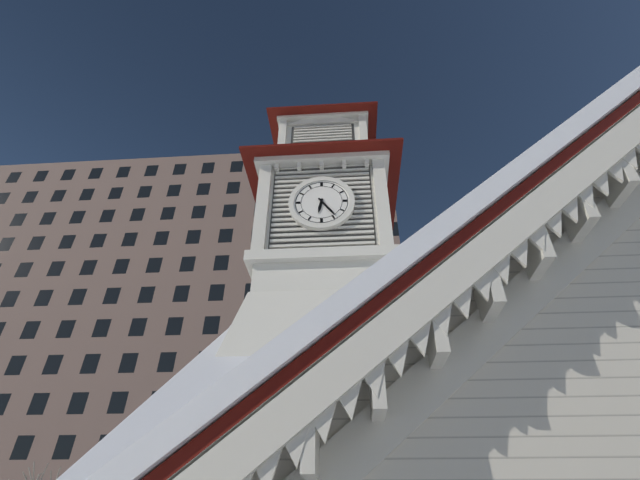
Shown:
h=6 m=24
